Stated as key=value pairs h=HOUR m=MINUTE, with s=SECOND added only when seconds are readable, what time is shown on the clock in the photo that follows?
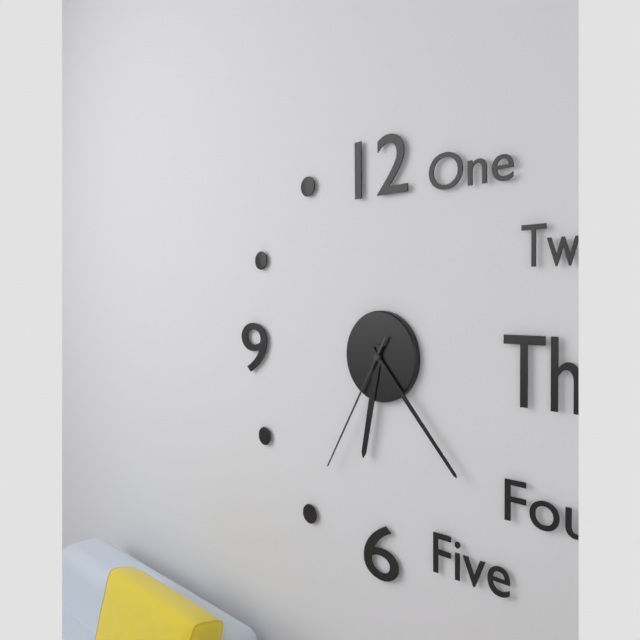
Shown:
h=6 m=23 s=35
